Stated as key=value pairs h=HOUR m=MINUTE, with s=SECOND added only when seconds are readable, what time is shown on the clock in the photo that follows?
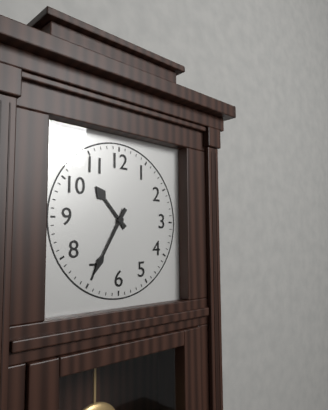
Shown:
h=10 m=35
